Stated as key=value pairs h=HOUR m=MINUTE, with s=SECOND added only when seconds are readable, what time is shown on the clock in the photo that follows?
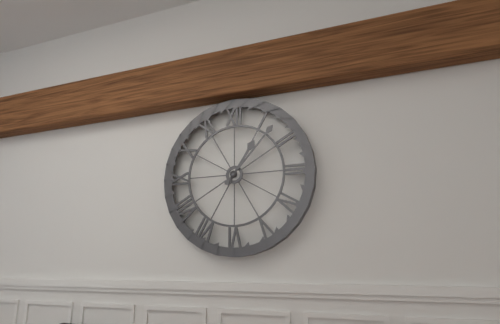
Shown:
h=1 m=7
